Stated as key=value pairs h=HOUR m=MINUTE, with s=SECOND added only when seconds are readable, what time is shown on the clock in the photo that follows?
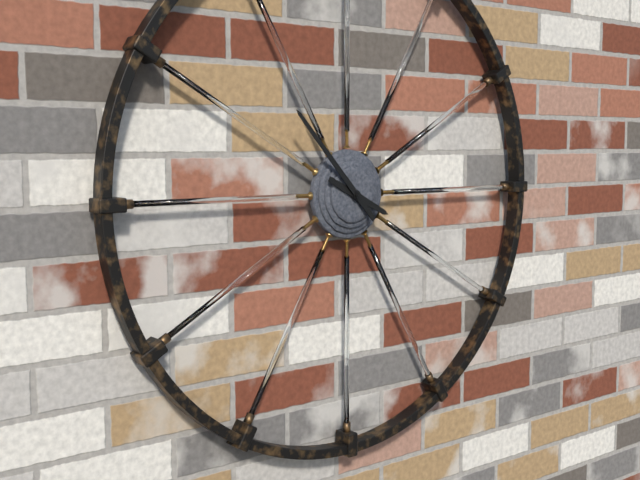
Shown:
h=3 m=53
